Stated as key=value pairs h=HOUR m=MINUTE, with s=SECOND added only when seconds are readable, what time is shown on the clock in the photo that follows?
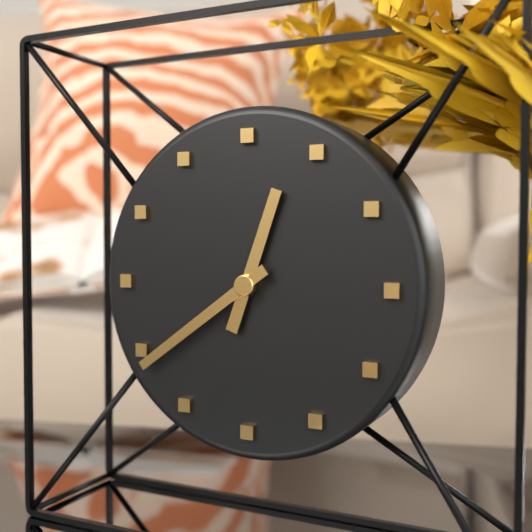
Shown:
h=12 m=39
